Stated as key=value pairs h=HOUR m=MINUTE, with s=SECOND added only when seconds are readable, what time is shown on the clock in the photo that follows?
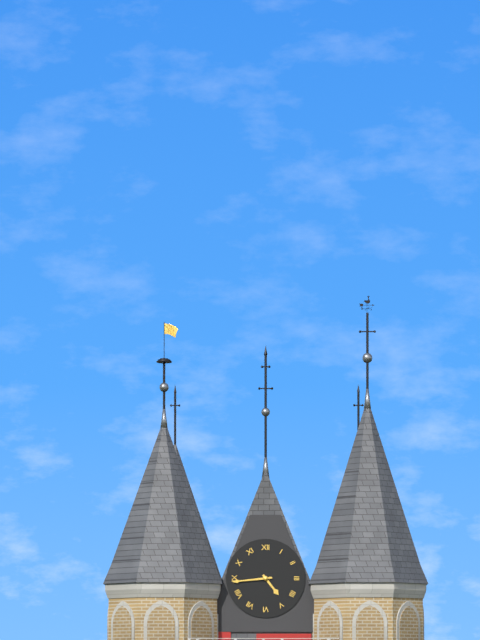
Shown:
h=4 m=44
